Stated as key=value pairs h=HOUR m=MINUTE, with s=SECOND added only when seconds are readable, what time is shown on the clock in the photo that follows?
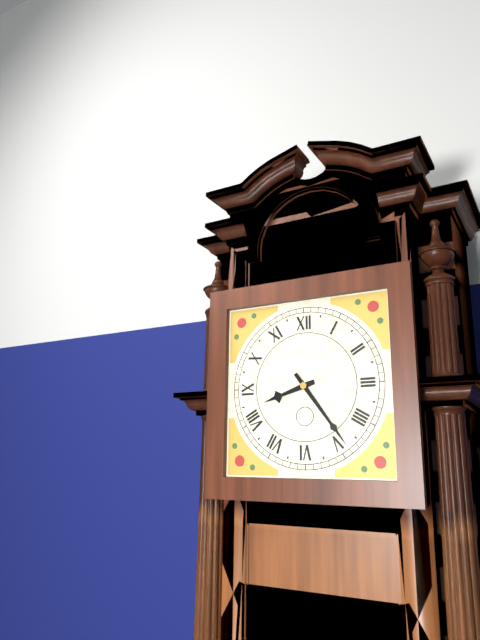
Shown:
h=8 m=24
